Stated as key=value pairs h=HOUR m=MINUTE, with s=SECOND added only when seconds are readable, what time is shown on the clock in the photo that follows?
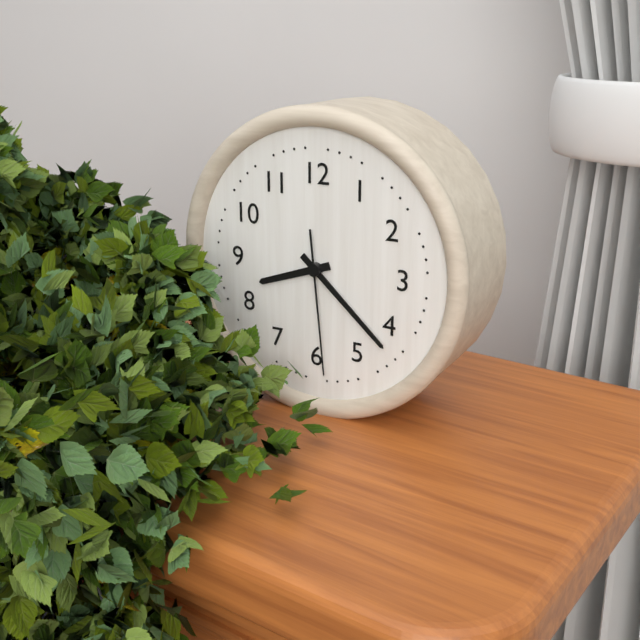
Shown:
h=8 m=22 s=29
